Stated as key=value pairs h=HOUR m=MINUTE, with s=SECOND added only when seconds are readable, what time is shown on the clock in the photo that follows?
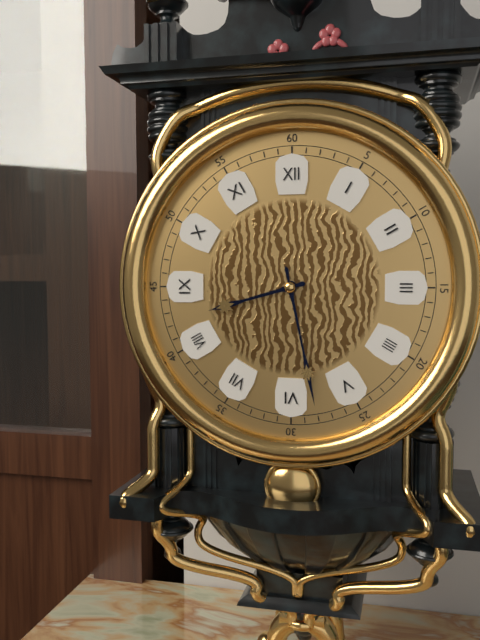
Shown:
h=8 m=28
